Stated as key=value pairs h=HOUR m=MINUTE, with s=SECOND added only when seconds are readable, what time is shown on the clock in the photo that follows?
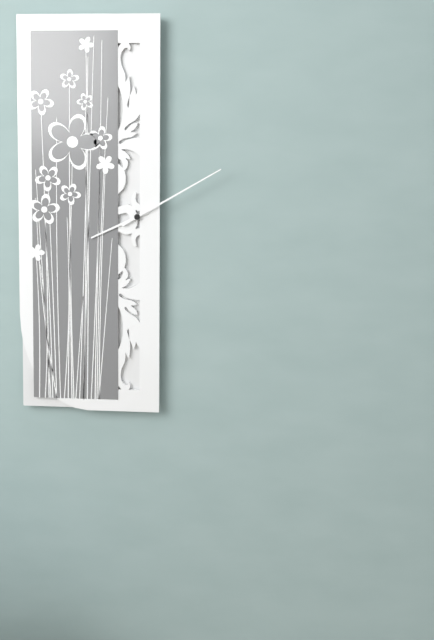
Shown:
h=8 m=10
